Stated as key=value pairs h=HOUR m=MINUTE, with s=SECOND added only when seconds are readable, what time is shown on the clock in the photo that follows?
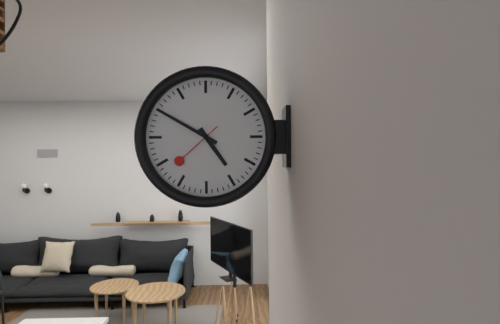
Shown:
h=4 m=50 s=38
